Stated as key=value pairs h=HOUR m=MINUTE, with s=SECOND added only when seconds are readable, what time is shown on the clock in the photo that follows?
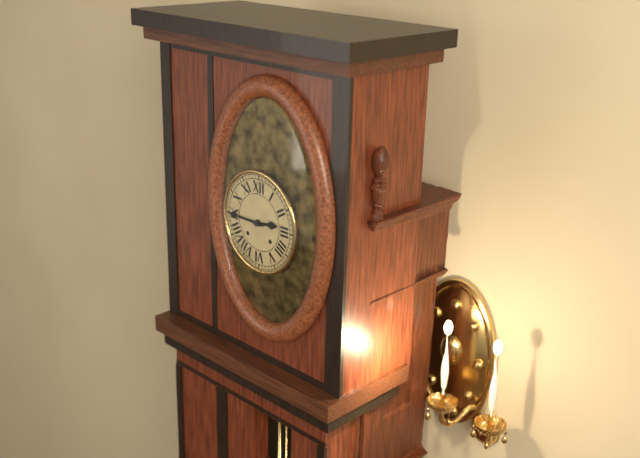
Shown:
h=2 m=45
